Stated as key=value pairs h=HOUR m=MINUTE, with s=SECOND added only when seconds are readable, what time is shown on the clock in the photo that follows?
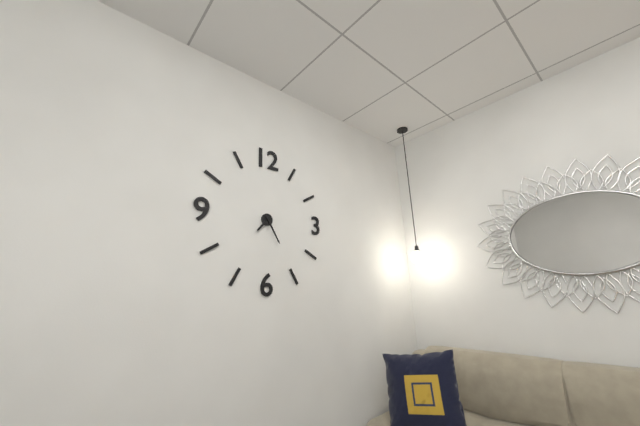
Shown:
h=7 m=25
